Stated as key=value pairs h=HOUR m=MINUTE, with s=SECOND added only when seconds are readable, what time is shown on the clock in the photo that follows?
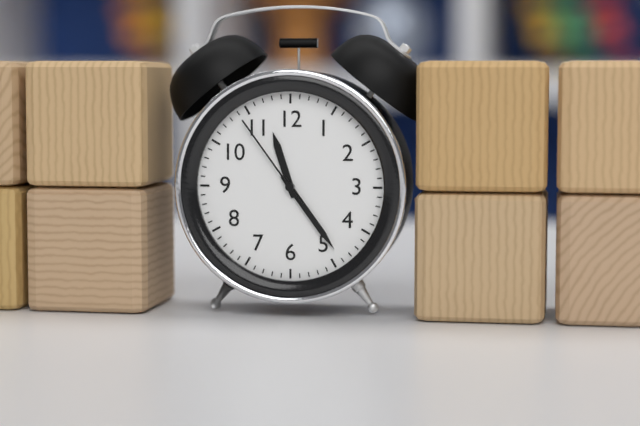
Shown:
h=11 m=24 s=54
